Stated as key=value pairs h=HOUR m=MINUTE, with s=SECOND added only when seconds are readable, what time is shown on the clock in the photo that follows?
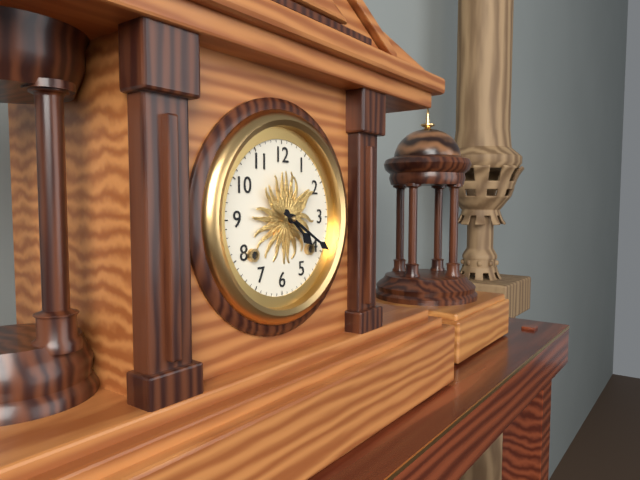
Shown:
h=4 m=20
